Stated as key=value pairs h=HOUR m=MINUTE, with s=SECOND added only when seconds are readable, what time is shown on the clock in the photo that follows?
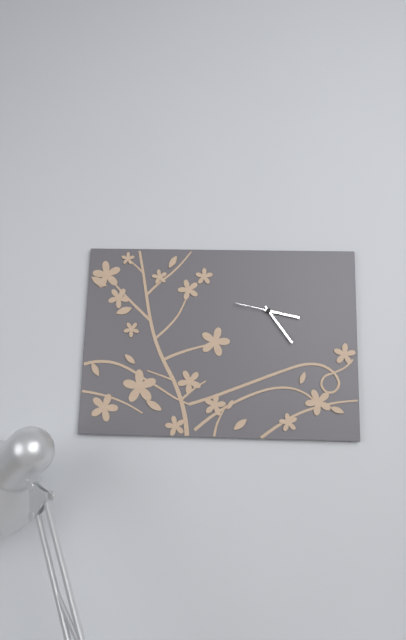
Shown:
h=3 m=24
